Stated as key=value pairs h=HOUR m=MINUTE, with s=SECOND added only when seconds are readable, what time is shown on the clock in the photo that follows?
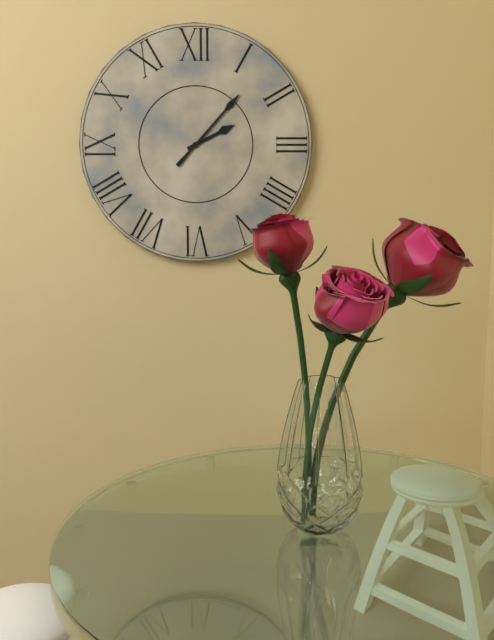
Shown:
h=2 m=7
